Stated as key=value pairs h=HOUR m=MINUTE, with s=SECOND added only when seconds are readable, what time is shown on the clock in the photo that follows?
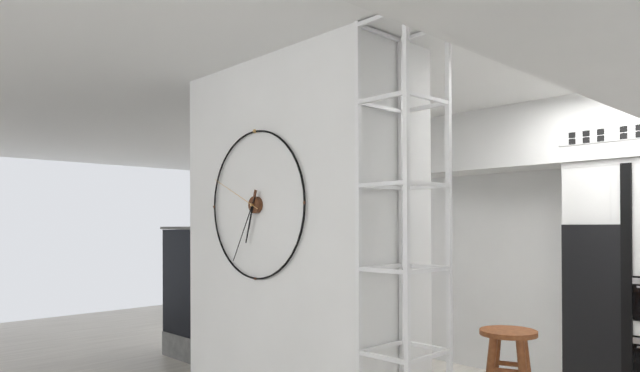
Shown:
h=6 m=35 s=49
